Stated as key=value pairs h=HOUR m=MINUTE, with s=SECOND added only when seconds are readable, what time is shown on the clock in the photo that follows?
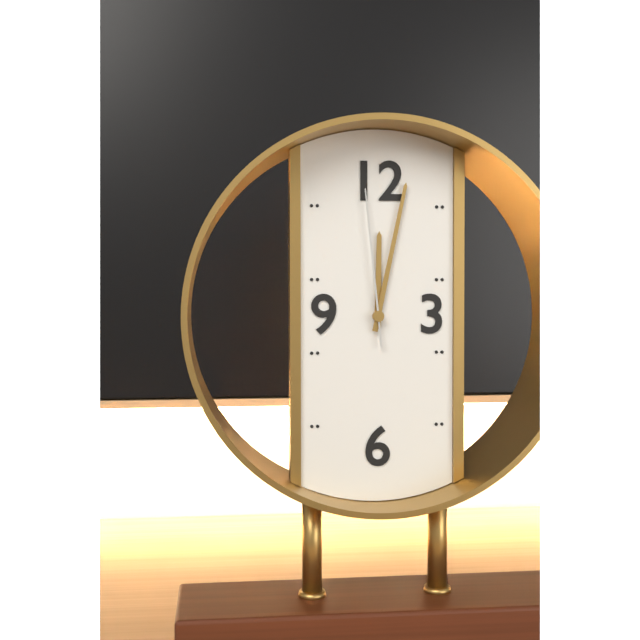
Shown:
h=12 m=2 s=59
